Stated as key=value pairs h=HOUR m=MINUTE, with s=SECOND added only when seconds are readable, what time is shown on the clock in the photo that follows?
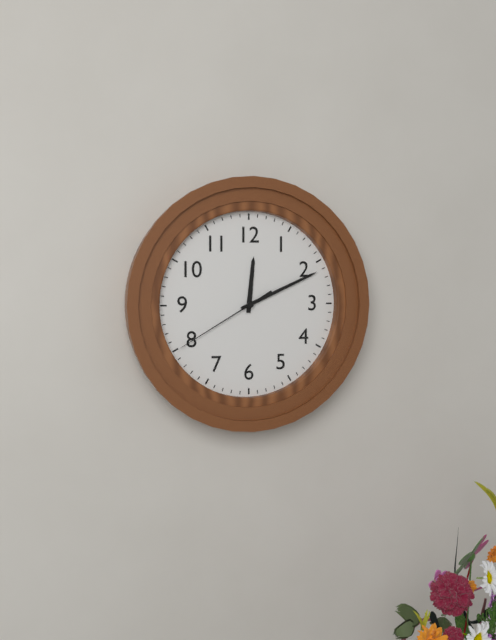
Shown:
h=12 m=11 s=40
